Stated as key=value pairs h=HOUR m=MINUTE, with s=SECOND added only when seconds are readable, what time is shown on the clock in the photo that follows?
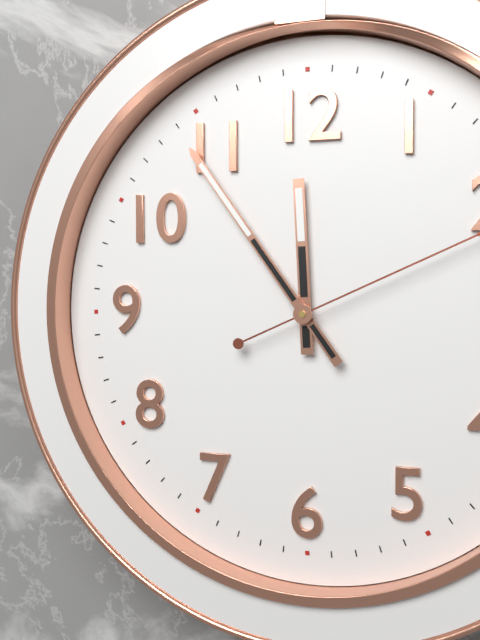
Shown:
h=11 m=54
